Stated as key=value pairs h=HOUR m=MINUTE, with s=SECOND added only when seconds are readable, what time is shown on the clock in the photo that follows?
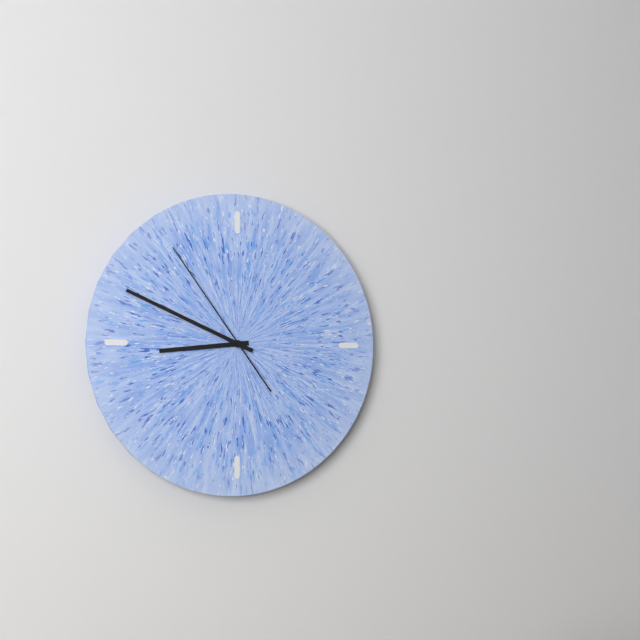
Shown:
h=8 m=49 s=54
